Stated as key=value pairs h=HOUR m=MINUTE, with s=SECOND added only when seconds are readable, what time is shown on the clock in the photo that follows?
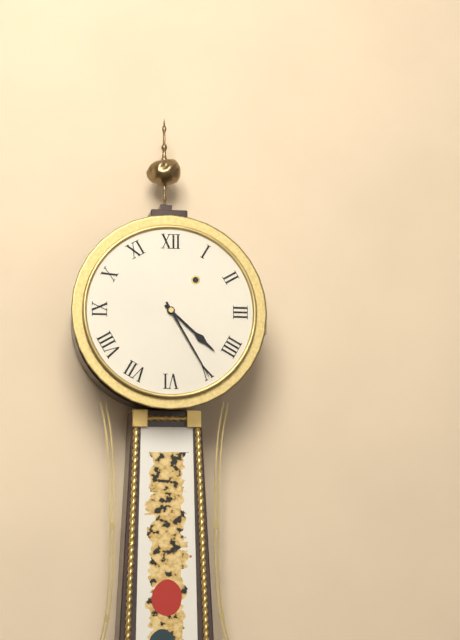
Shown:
h=4 m=25
